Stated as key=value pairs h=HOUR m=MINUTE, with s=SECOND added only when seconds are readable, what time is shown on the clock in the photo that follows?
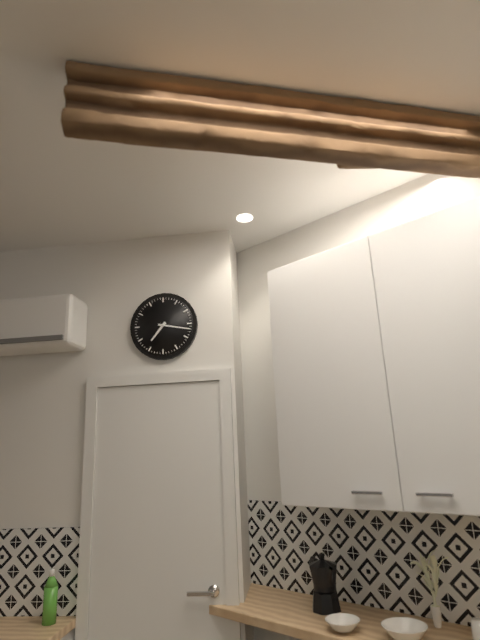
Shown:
h=7 m=17
